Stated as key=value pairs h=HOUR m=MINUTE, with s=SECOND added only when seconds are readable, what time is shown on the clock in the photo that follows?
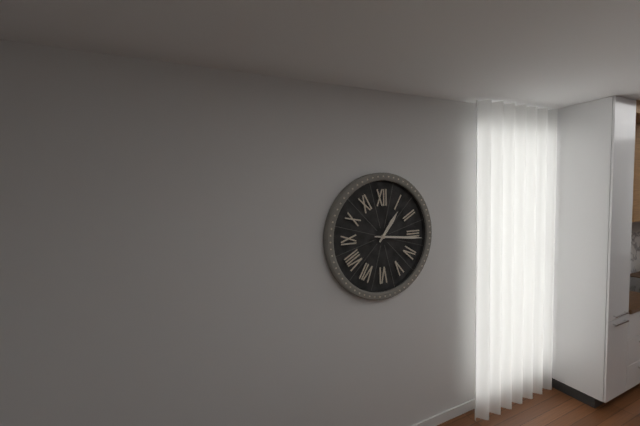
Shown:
h=1 m=16
